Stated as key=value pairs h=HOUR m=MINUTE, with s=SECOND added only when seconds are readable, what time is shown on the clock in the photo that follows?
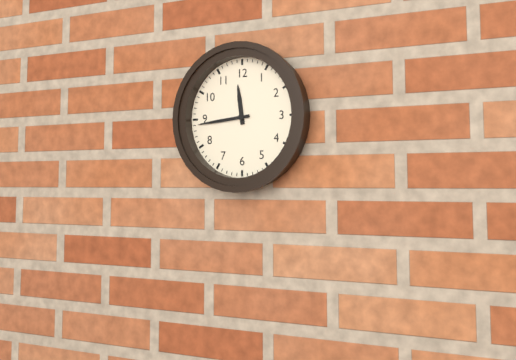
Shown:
h=11 m=44
